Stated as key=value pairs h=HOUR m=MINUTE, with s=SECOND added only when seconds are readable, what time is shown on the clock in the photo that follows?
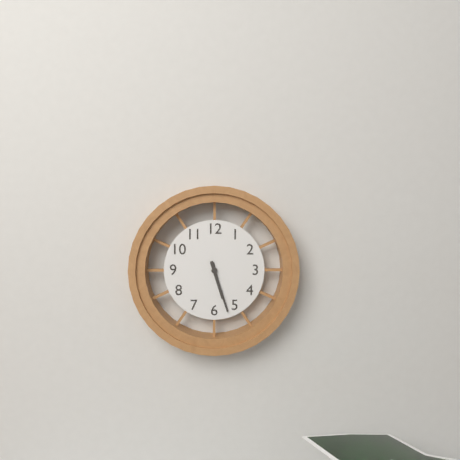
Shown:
h=5 m=27
